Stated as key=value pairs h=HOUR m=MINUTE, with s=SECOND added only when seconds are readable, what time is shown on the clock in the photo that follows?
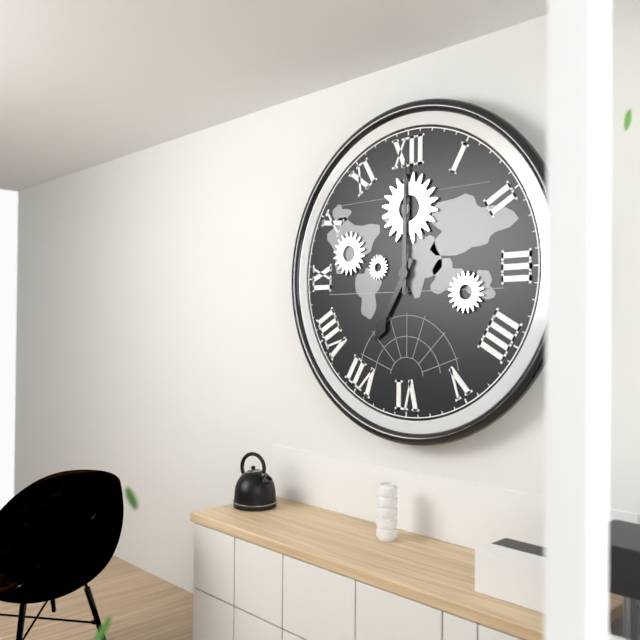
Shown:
h=7 m=0
